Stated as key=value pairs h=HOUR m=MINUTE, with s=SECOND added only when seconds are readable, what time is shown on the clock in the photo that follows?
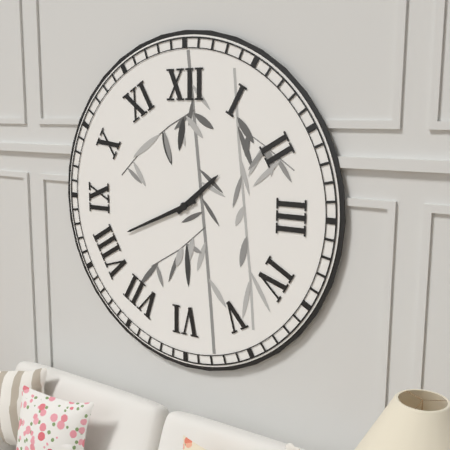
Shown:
h=1 m=41
